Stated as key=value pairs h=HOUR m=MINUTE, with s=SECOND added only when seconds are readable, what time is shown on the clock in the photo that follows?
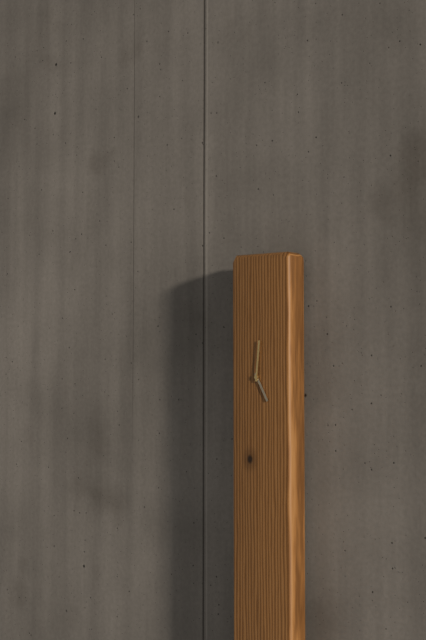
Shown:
h=5 m=1
